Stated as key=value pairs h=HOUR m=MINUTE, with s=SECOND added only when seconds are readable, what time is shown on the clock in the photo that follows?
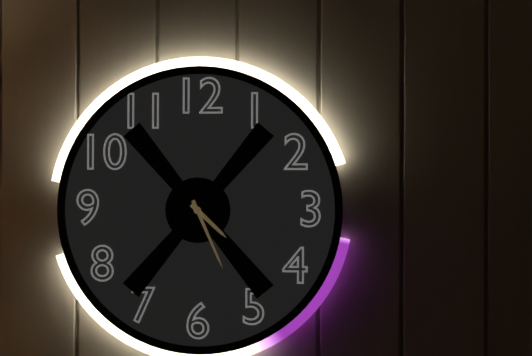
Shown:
h=4 m=26
